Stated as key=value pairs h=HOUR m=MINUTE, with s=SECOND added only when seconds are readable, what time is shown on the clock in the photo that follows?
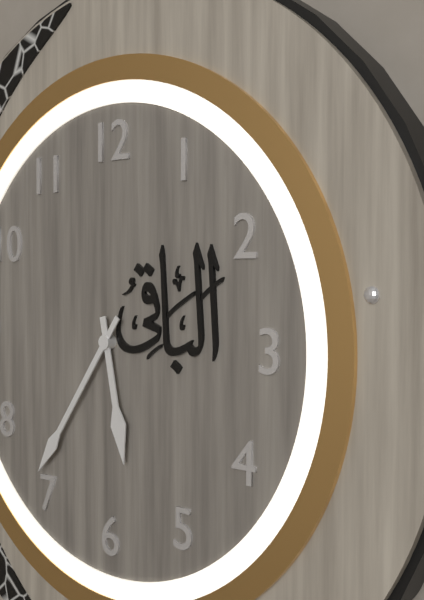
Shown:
h=5 m=36
